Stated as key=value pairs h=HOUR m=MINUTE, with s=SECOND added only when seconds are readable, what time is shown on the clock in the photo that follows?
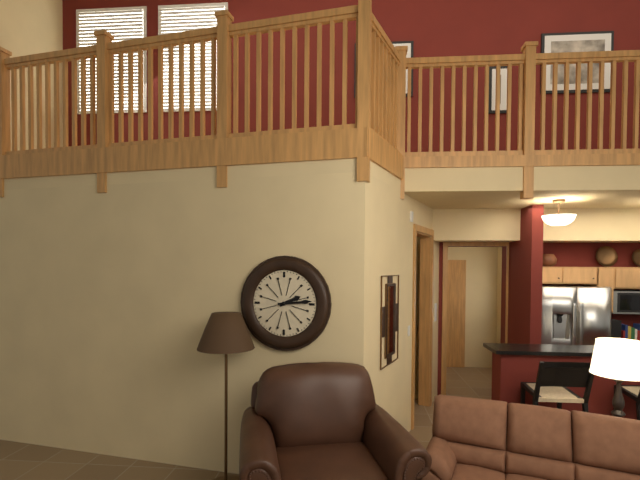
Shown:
h=2 m=14
